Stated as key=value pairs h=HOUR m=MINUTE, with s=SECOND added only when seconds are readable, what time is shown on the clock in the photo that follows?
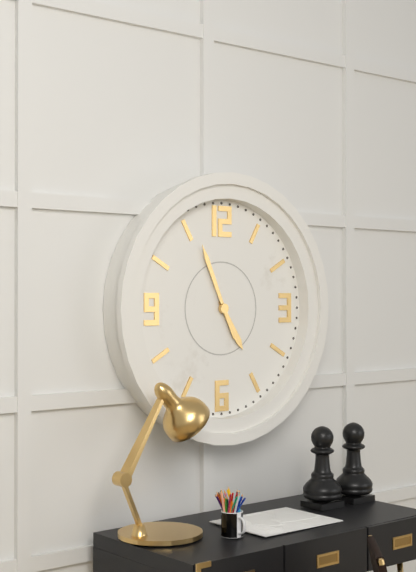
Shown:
h=4 m=56
